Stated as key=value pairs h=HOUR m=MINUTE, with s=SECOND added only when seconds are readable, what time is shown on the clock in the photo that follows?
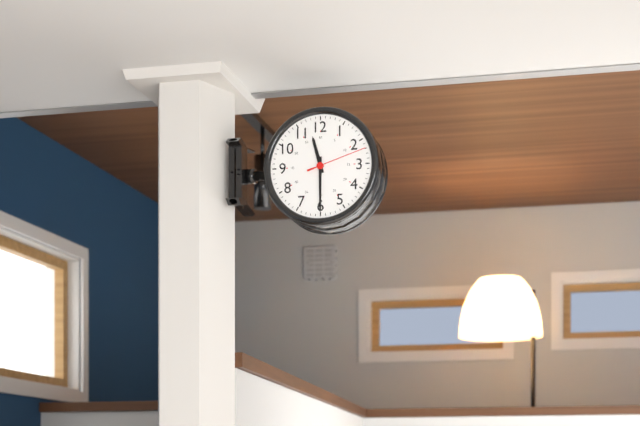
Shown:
h=11 m=30 s=12
